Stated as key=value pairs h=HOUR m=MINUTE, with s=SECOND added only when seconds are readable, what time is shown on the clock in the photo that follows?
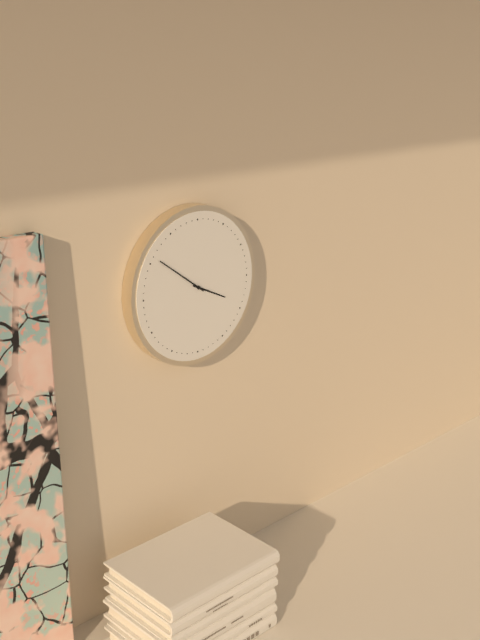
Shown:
h=3 m=51
